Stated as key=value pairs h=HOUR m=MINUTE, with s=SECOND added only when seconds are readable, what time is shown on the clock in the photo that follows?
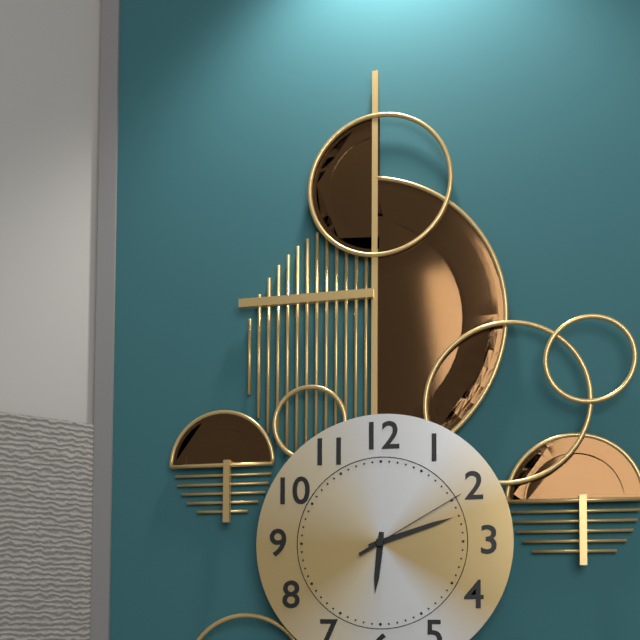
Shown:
h=6 m=12 s=10
